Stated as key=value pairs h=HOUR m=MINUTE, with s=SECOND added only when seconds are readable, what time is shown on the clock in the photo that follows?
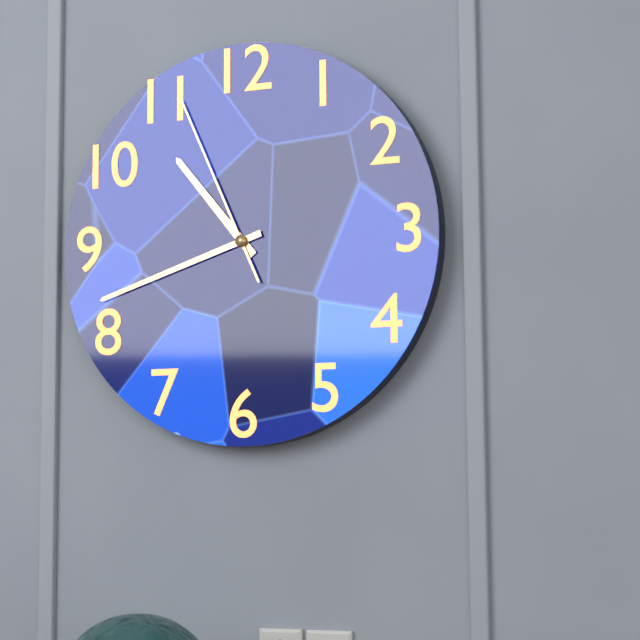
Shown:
h=10 m=42 s=56
